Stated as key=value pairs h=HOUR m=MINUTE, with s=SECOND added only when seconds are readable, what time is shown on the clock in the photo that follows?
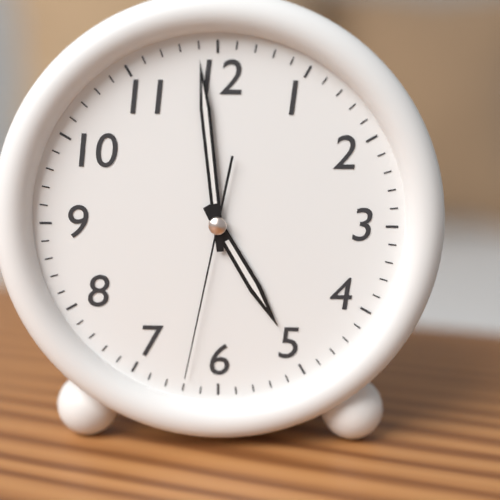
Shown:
h=4 m=59 s=32
